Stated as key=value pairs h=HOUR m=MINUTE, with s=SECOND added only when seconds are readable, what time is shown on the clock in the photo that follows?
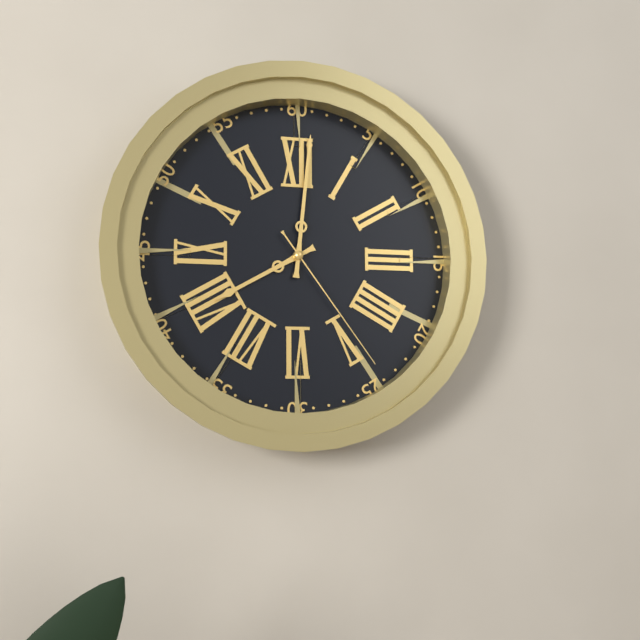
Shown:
h=8 m=1 s=24
